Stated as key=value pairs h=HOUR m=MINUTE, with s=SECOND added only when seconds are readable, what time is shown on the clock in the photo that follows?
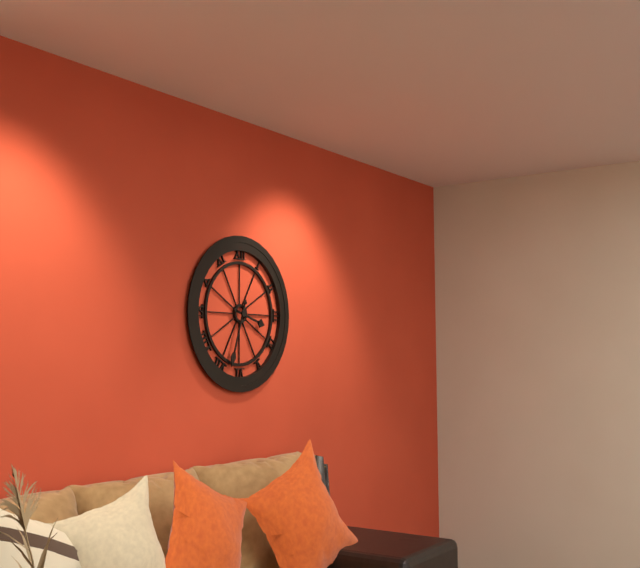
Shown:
h=3 m=33
